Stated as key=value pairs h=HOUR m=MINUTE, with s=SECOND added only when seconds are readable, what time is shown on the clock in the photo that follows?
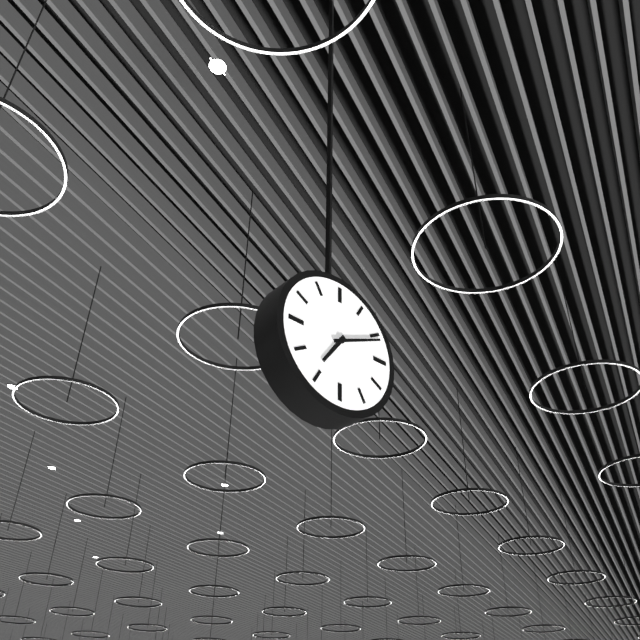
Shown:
h=7 m=11
